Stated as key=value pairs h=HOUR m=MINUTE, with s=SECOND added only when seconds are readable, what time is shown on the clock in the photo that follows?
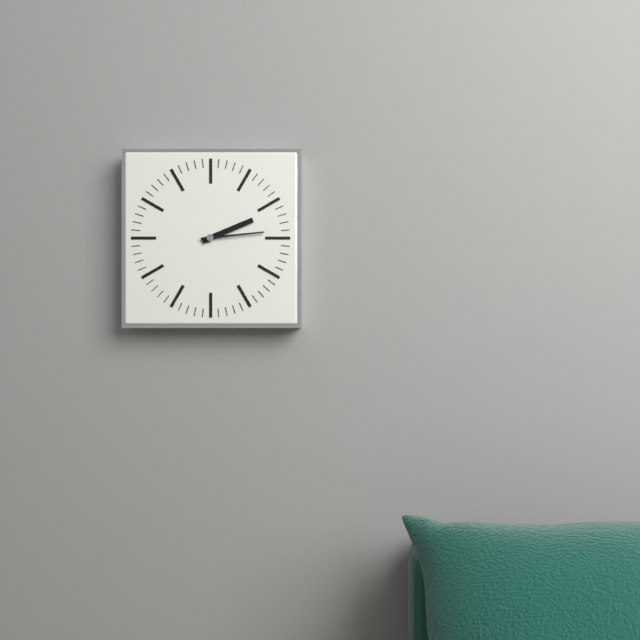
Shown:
h=2 m=14
